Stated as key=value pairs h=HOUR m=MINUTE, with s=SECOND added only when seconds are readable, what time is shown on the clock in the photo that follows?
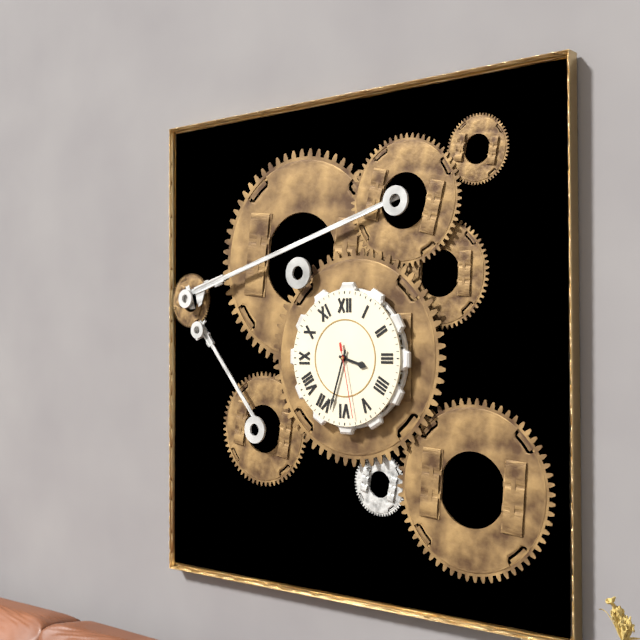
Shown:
h=3 m=33 s=28
